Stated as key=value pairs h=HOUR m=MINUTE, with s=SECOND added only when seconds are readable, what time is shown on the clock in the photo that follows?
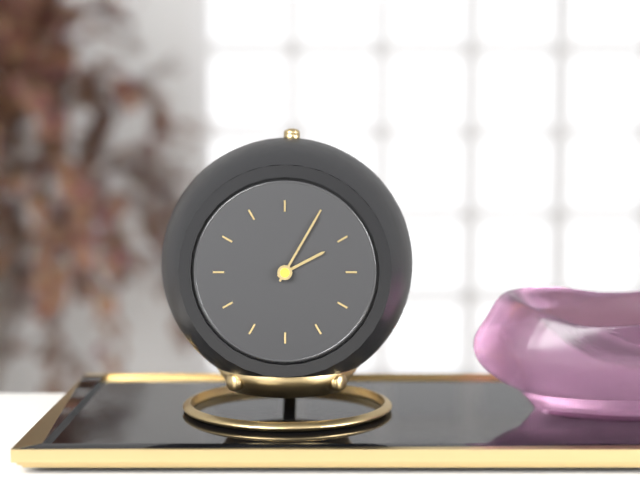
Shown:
h=2 m=5
